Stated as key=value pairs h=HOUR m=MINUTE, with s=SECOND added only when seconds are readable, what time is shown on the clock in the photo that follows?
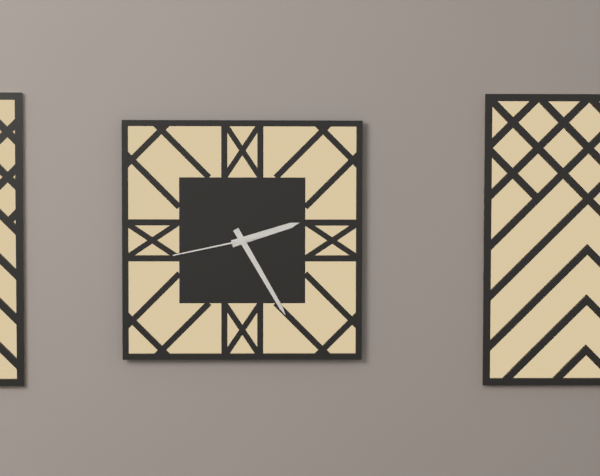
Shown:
h=2 m=25 s=43
